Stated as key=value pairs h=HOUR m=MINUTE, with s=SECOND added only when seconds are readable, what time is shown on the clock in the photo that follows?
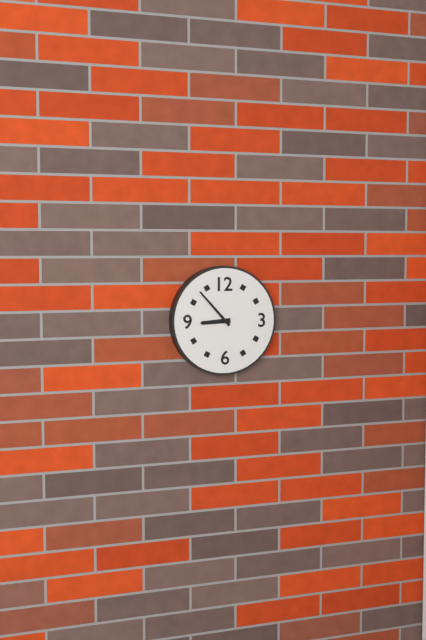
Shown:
h=8 m=53
